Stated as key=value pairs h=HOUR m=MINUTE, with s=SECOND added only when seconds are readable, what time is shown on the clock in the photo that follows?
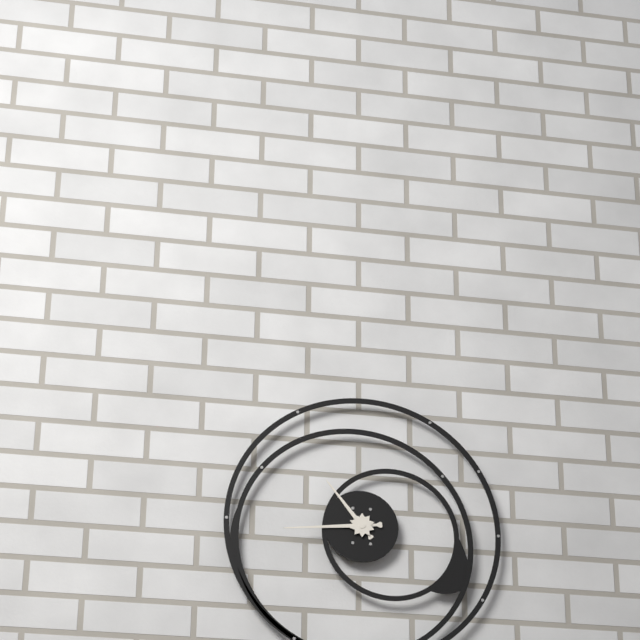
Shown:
h=10 m=44
